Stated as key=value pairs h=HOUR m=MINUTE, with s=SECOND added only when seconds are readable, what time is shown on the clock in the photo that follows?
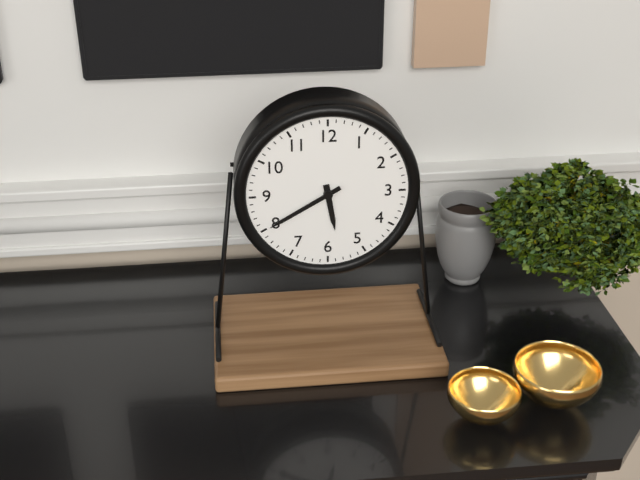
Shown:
h=5 m=40
